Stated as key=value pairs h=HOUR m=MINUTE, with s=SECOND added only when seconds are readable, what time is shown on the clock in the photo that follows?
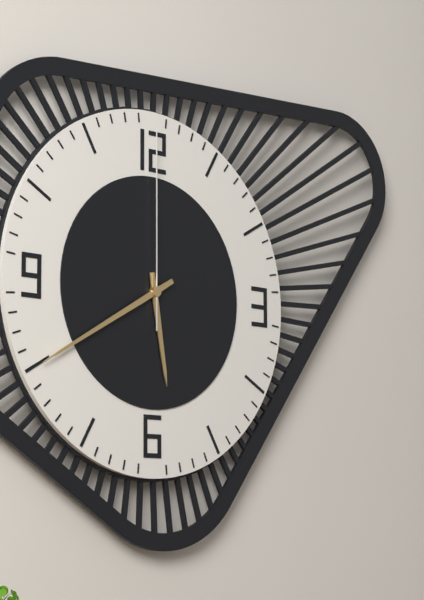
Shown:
h=5 m=40 s=0
